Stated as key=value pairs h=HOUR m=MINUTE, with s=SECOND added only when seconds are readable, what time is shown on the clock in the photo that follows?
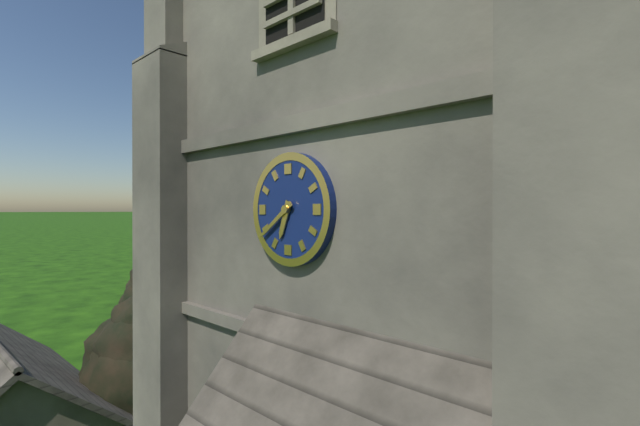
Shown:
h=6 m=39
